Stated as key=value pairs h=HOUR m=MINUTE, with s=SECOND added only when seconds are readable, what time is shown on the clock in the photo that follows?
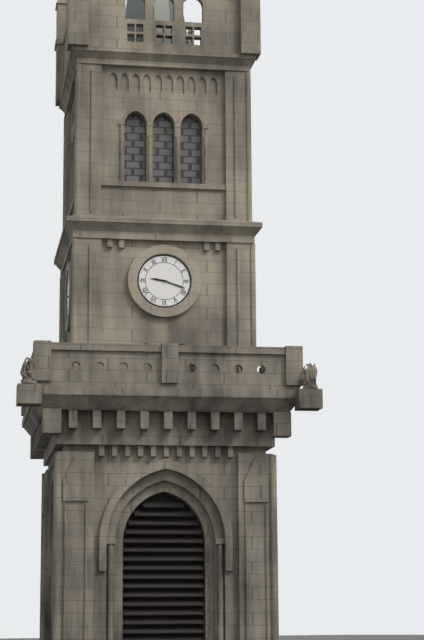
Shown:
h=9 m=18
